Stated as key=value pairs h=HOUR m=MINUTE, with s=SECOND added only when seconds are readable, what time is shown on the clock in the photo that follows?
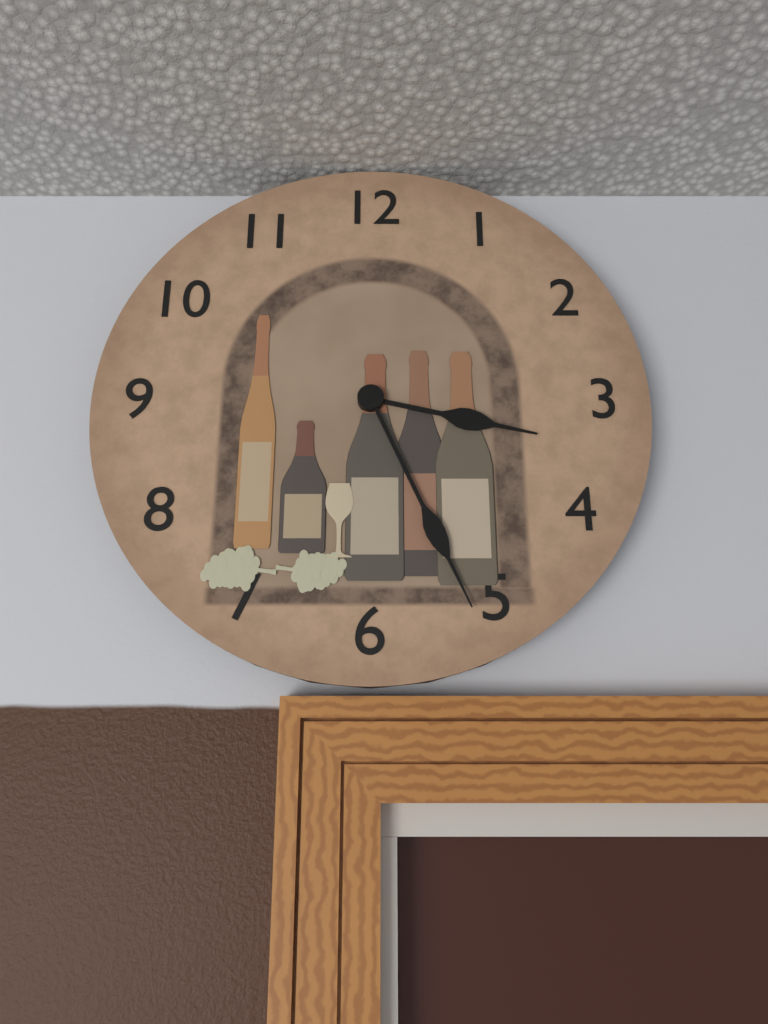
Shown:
h=3 m=26
